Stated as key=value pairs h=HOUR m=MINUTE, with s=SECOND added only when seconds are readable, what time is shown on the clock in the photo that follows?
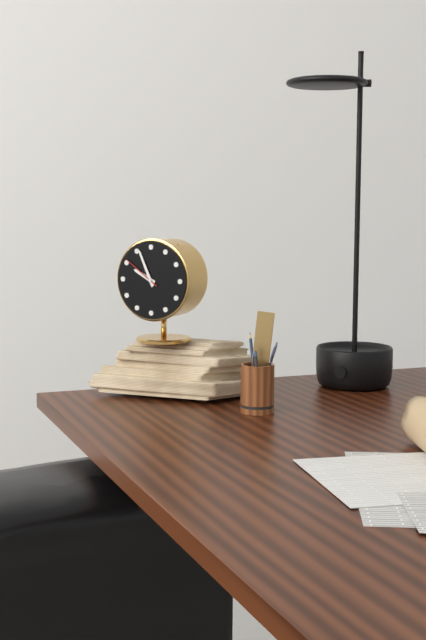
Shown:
h=9 m=56
